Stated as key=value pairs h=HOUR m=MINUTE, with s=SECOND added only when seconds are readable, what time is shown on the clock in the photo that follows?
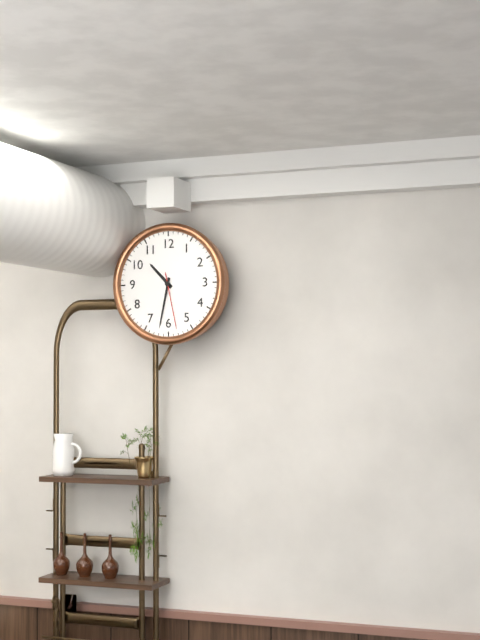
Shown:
h=10 m=32 s=28
